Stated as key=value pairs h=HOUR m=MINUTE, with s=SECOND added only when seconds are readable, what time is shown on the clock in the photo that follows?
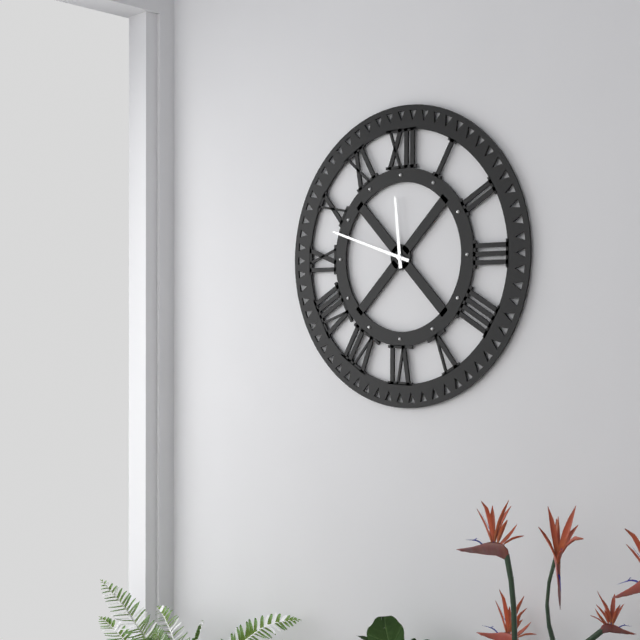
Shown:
h=11 m=48
